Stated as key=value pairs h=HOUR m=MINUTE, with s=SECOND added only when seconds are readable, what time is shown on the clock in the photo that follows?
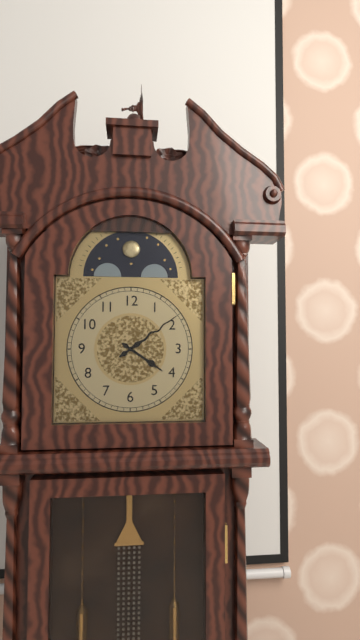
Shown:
h=4 m=9
